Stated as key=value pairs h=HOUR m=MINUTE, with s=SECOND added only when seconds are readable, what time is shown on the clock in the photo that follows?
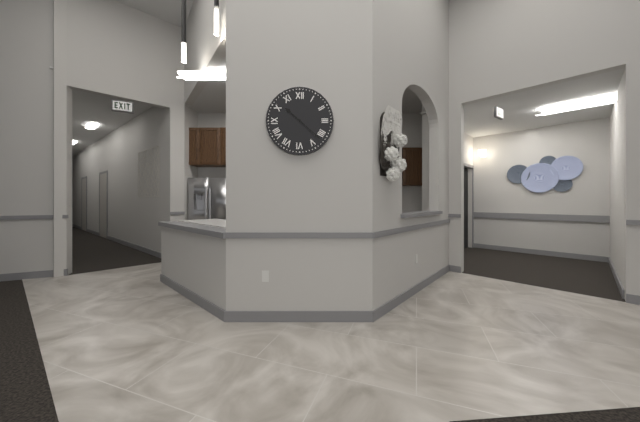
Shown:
h=10 m=22
